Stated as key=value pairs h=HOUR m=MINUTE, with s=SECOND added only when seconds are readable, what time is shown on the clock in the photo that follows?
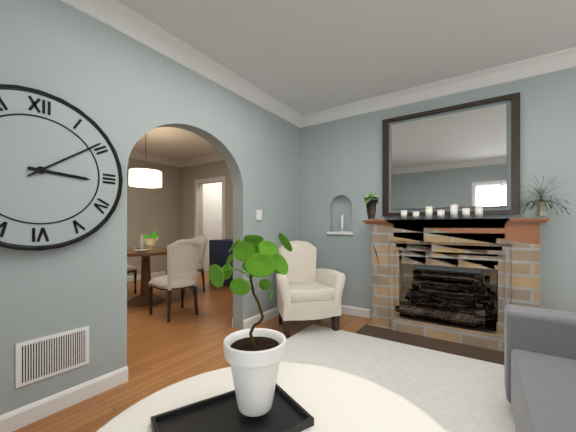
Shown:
h=3 m=9
